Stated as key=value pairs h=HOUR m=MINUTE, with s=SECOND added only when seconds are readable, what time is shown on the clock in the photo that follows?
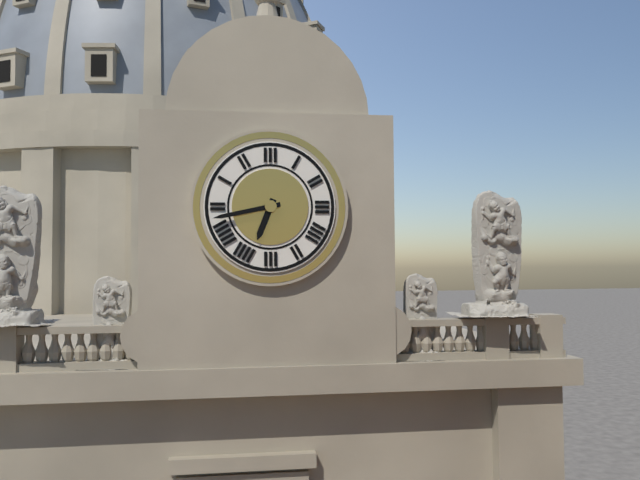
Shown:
h=6 m=43
